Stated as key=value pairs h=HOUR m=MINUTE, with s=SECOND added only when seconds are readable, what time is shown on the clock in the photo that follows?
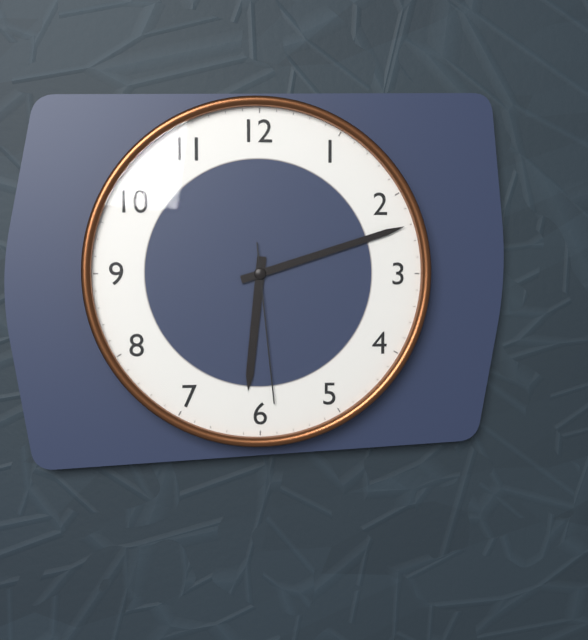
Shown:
h=6 m=12 s=29
